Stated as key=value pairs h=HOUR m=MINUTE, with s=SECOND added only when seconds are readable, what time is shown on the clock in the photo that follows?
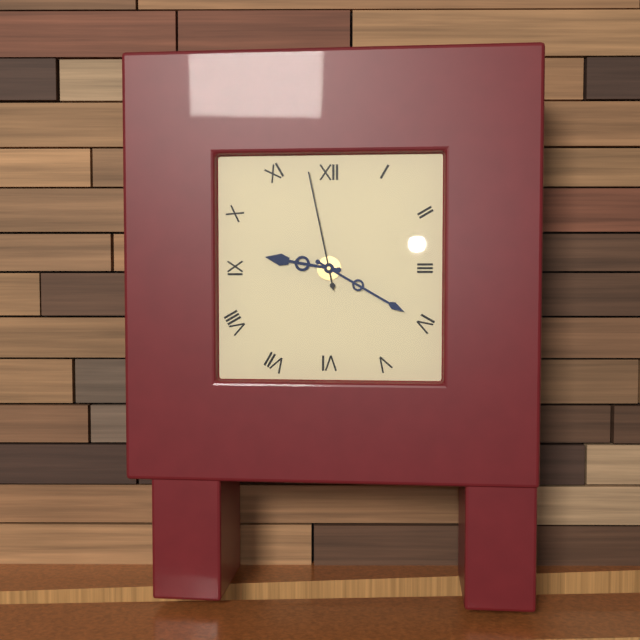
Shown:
h=9 m=20 s=58
